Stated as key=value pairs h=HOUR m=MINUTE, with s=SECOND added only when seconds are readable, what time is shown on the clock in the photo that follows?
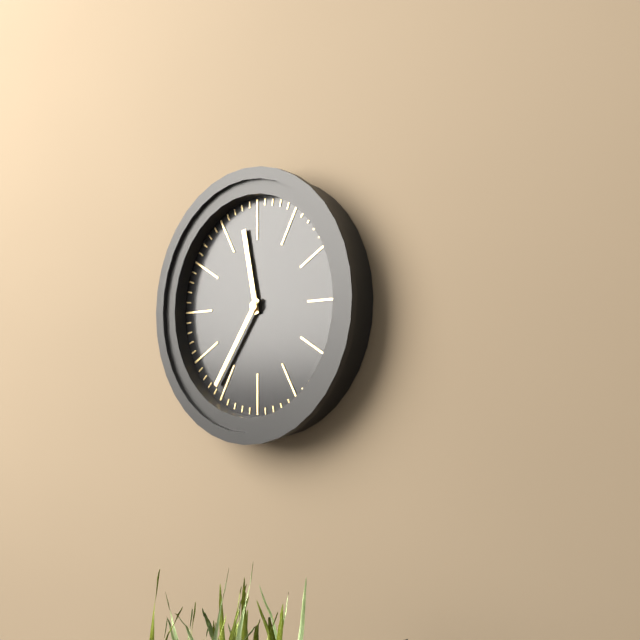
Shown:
h=11 m=36
